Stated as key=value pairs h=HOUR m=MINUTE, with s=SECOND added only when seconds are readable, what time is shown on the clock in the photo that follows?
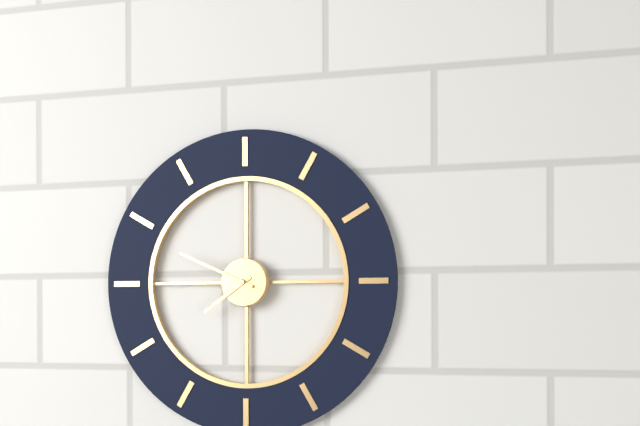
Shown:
h=7 m=49
